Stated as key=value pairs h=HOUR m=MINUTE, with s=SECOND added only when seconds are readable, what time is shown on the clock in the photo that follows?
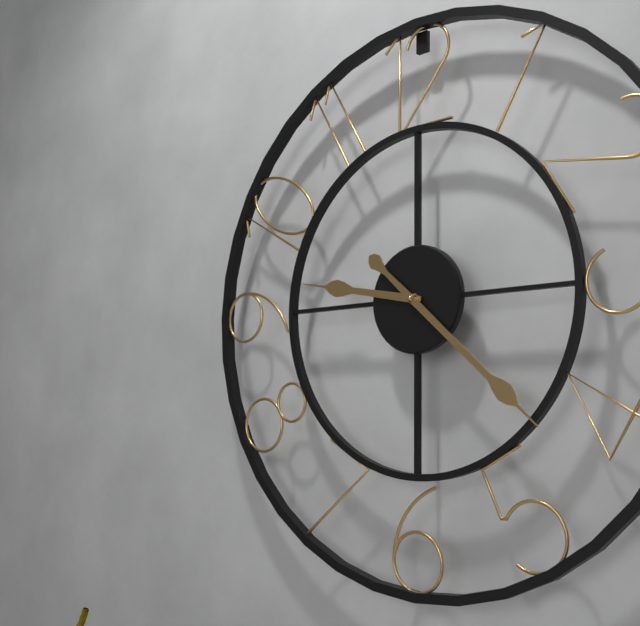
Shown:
h=9 m=22
